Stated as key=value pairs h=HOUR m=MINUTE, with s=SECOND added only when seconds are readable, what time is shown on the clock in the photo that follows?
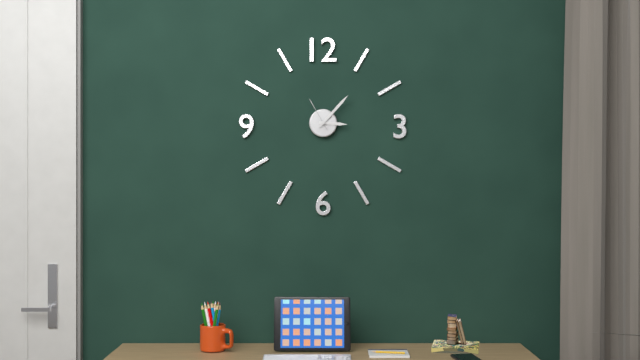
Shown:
h=3 m=7
